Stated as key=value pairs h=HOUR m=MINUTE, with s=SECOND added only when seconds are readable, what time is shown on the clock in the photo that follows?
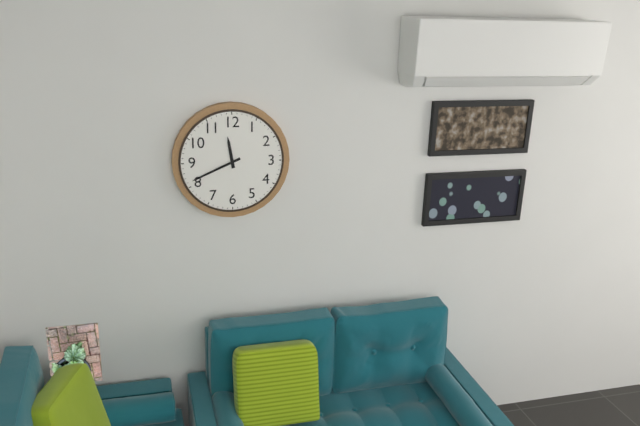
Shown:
h=11 m=41
